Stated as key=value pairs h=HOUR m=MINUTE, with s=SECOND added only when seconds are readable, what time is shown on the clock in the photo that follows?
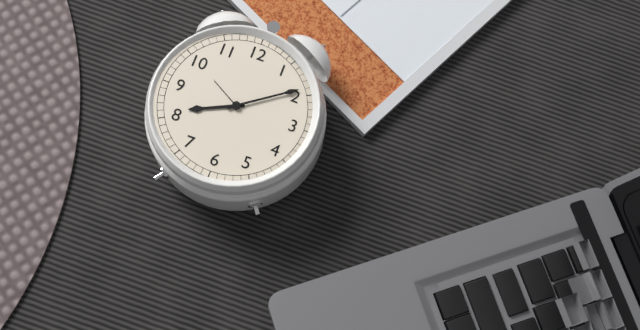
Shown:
h=8 m=9
